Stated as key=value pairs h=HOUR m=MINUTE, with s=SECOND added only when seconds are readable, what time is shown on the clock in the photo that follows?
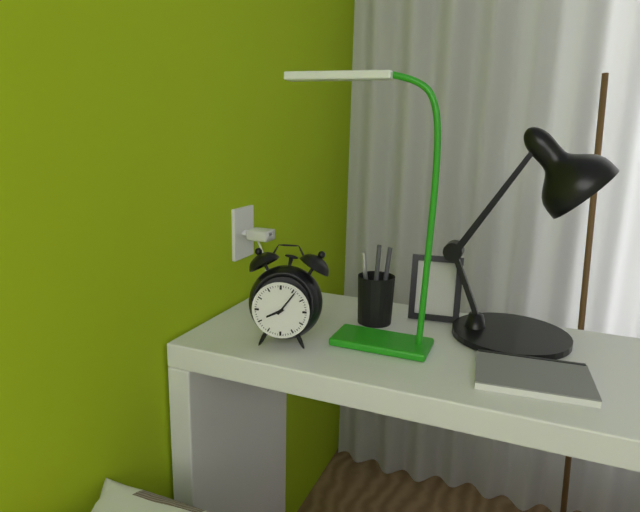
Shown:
h=8 m=6
